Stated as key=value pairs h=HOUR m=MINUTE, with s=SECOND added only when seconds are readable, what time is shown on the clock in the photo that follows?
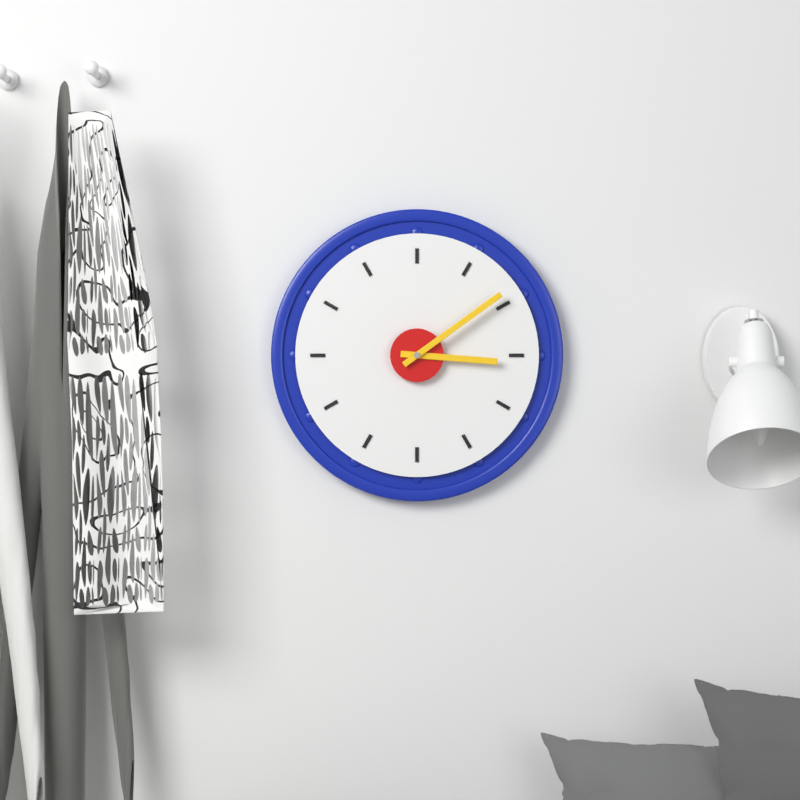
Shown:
h=3 m=9
